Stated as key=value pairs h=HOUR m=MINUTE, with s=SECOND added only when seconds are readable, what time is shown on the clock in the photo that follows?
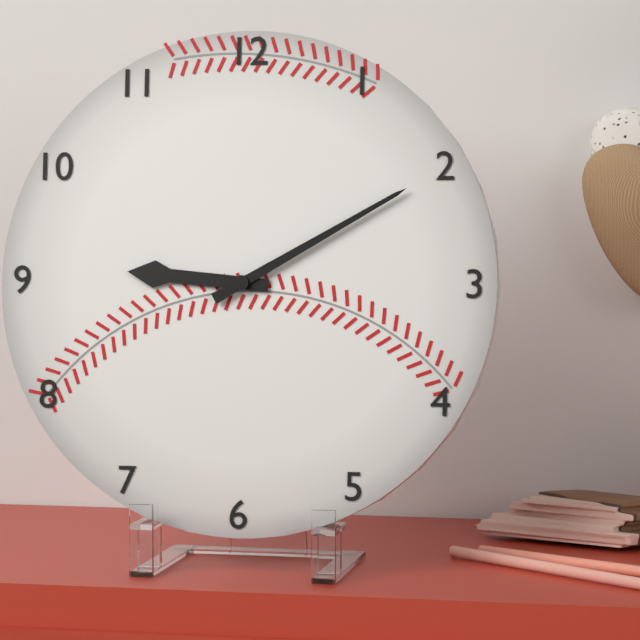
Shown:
h=9 m=10
